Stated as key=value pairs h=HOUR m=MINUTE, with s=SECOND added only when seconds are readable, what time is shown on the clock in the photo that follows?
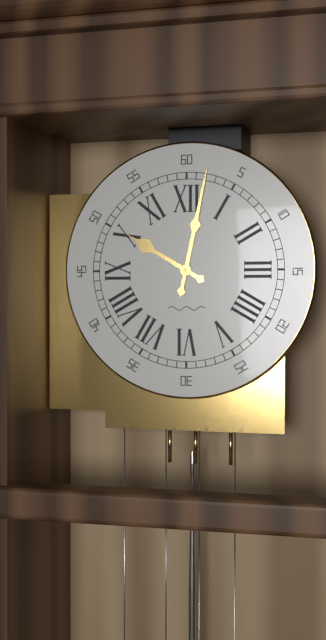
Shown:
h=10 m=2
